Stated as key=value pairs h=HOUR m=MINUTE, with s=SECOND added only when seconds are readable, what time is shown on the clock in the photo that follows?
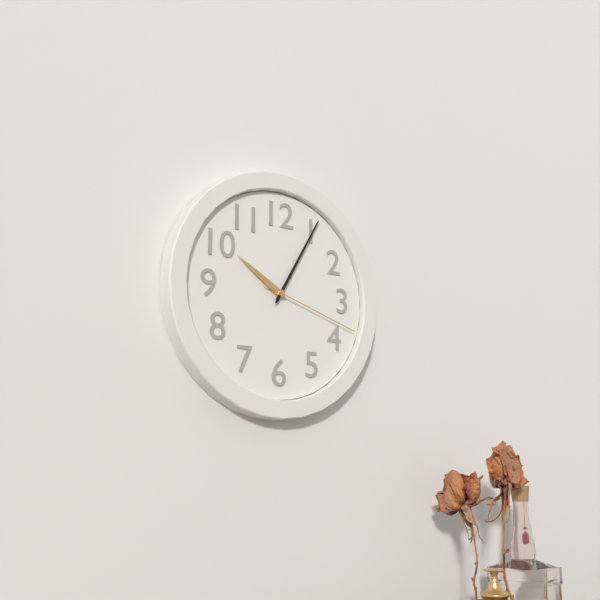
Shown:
h=10 m=5 s=18
